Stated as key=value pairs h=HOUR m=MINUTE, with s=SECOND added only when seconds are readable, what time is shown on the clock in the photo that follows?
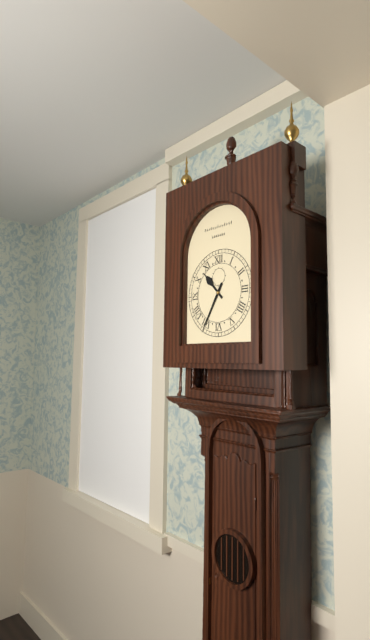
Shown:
h=10 m=35
